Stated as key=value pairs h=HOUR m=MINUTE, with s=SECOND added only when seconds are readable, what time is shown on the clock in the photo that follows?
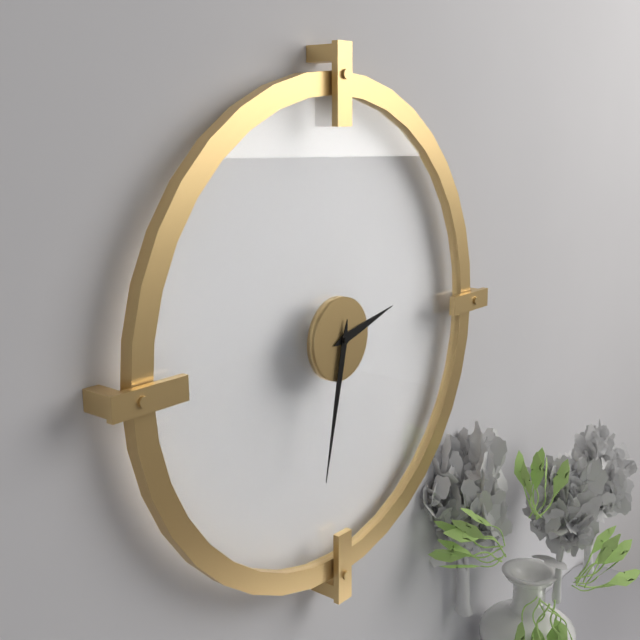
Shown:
h=2 m=32
